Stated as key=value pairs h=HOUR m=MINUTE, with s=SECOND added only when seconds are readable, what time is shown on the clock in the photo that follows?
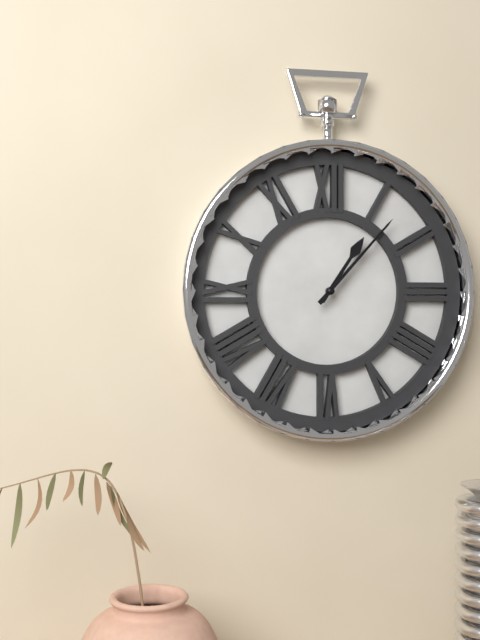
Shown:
h=1 m=7
